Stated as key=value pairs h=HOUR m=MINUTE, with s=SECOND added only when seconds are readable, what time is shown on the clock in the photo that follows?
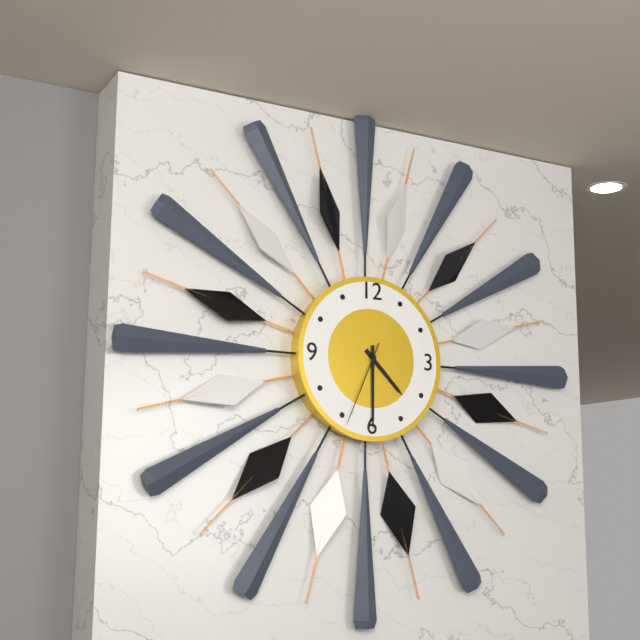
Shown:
h=4 m=30 s=34
